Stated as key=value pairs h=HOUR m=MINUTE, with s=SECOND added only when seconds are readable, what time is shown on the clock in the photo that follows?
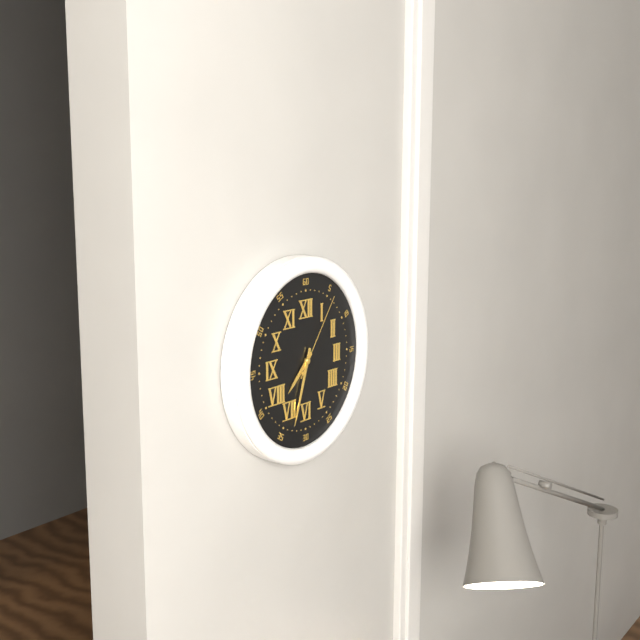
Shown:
h=7 m=33 s=6
